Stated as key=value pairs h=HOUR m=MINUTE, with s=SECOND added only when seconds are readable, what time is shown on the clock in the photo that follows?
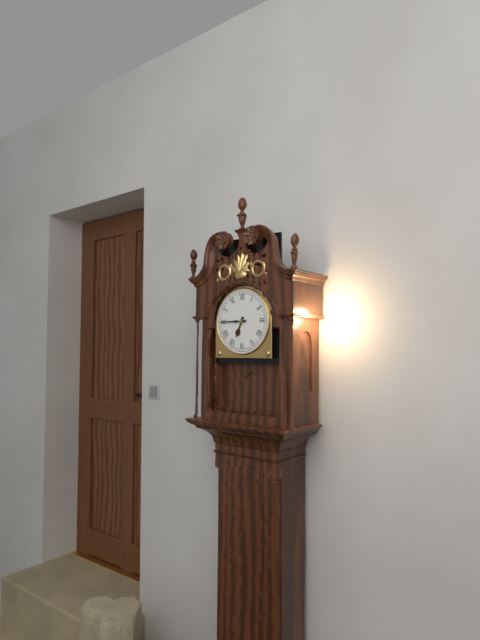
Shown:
h=6 m=45
